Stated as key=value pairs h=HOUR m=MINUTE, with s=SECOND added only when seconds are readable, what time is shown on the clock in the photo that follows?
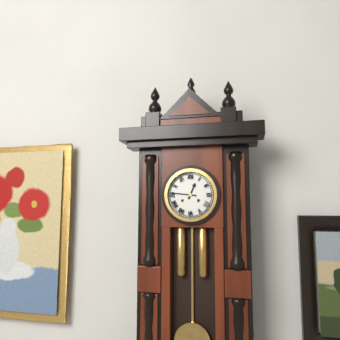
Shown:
h=12 m=46
